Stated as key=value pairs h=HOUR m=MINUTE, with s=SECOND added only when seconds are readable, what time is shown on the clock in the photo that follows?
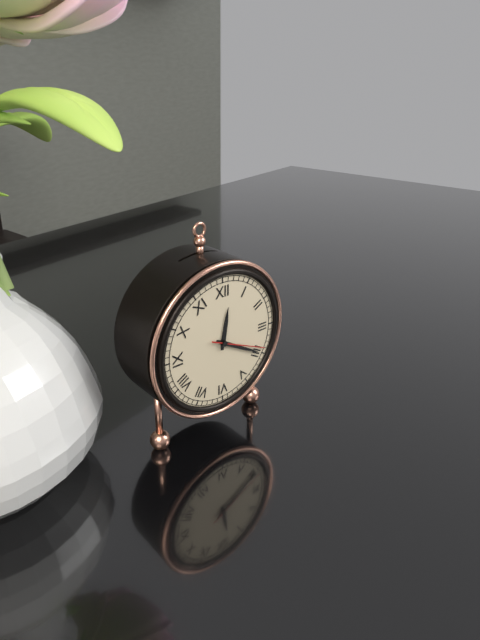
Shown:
h=12 m=20 s=19
